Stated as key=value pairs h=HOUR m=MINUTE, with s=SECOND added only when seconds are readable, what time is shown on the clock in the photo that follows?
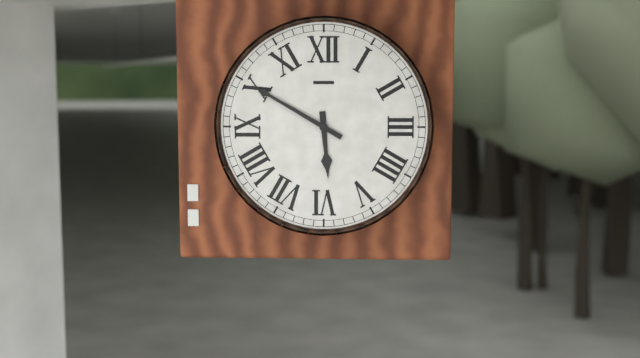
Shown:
h=5 m=50
